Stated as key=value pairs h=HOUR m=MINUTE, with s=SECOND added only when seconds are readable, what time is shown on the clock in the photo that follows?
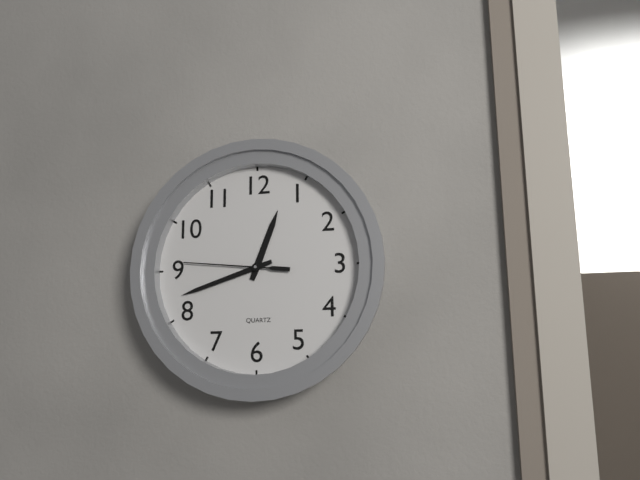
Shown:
h=12 m=42 s=46
